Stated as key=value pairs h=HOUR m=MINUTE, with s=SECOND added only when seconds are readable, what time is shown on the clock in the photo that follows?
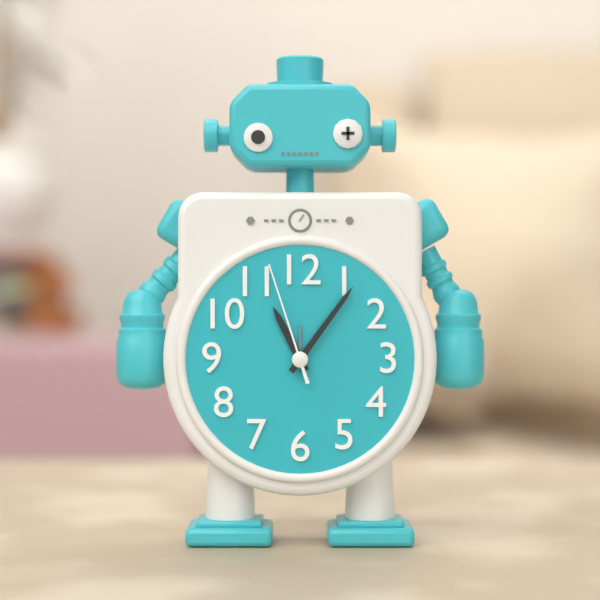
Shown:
h=11 m=6 s=57
